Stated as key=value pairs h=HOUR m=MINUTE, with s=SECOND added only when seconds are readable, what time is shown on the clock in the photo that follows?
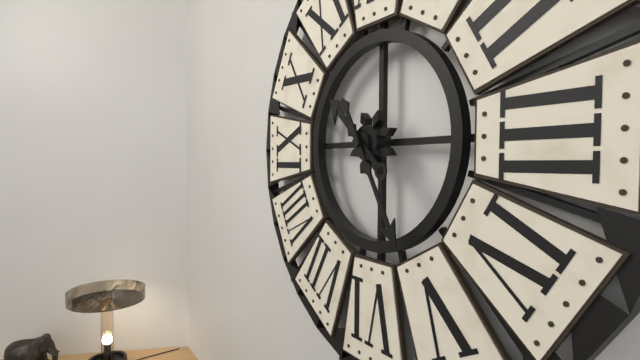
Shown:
h=10 m=25
